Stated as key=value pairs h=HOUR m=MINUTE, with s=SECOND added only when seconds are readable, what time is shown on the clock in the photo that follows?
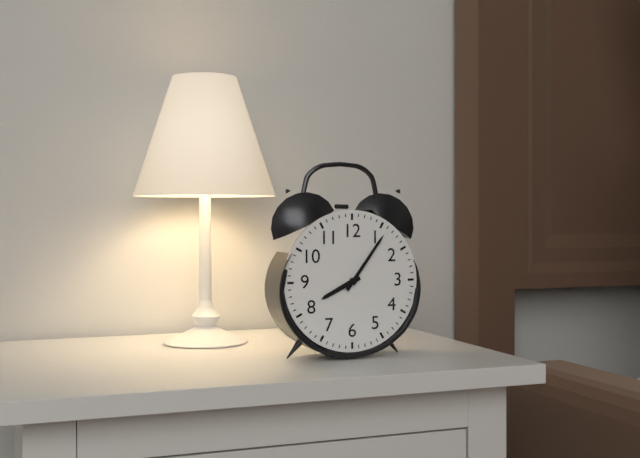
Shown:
h=8 m=6
